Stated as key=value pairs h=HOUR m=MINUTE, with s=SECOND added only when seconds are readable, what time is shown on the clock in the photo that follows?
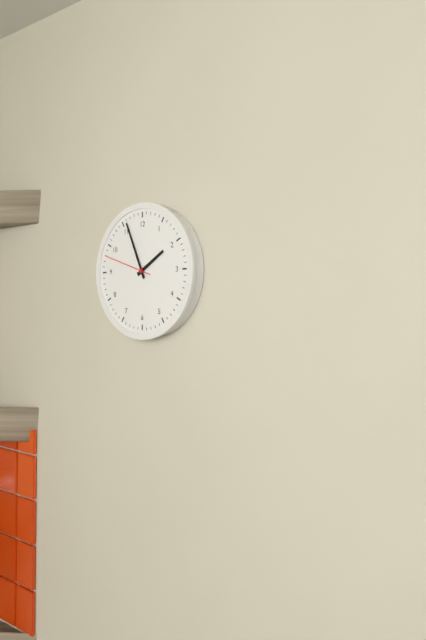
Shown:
h=1 m=56
